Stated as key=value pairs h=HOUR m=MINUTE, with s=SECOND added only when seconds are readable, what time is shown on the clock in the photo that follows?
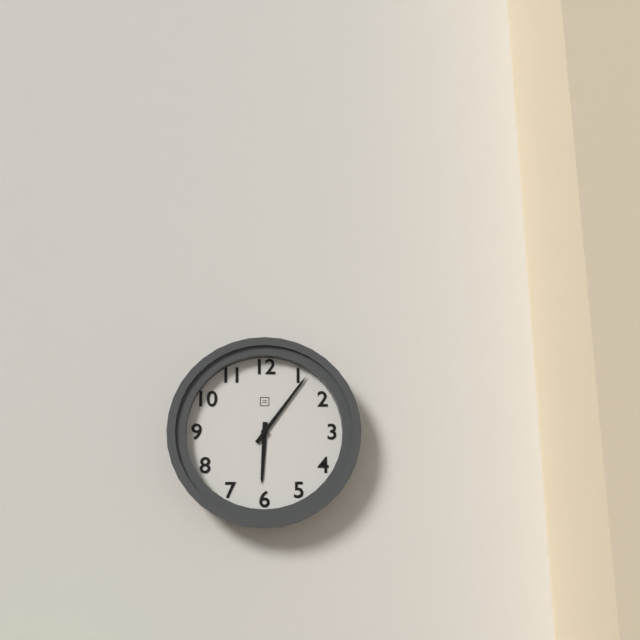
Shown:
h=6 m=6
